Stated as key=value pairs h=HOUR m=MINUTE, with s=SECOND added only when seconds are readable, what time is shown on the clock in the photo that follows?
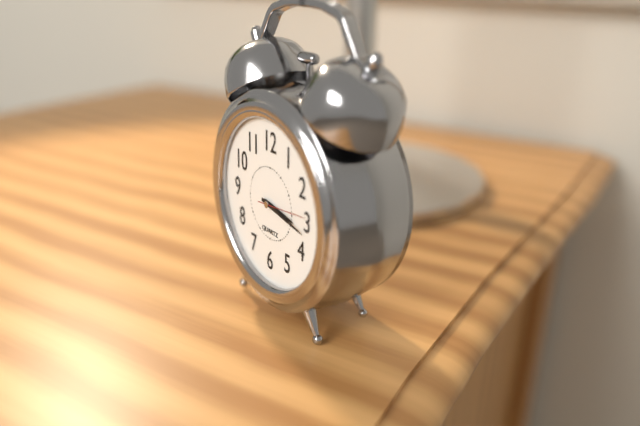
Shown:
h=3 m=17 s=14
